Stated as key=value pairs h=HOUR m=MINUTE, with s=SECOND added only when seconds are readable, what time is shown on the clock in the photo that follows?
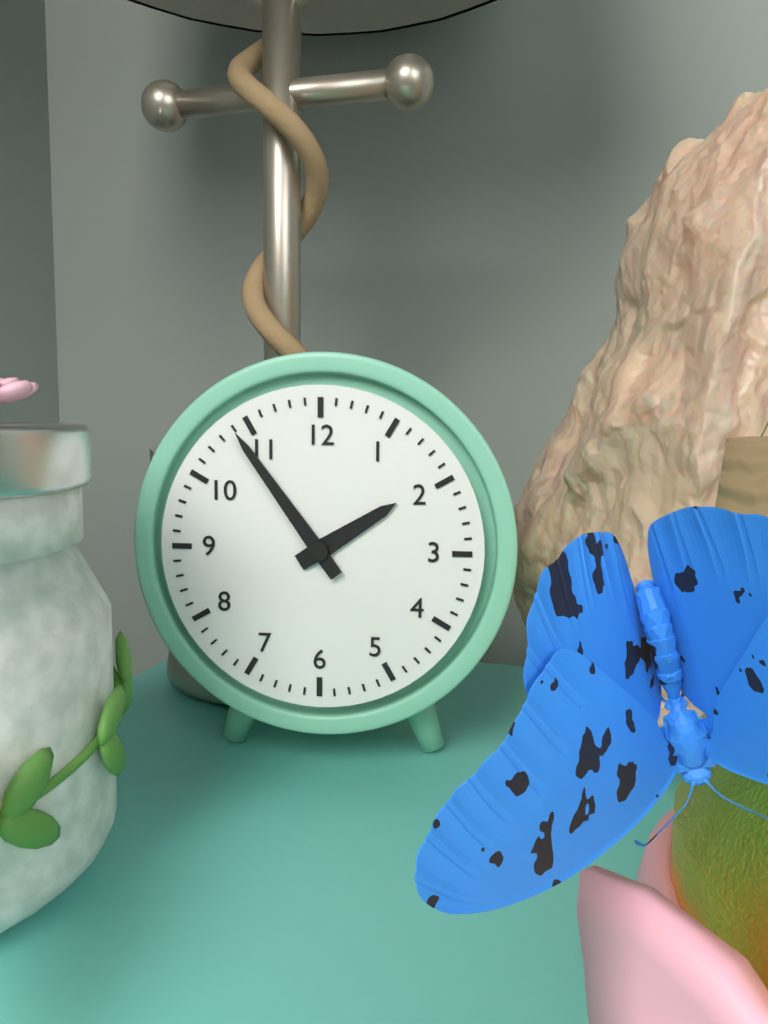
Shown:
h=1 m=54
